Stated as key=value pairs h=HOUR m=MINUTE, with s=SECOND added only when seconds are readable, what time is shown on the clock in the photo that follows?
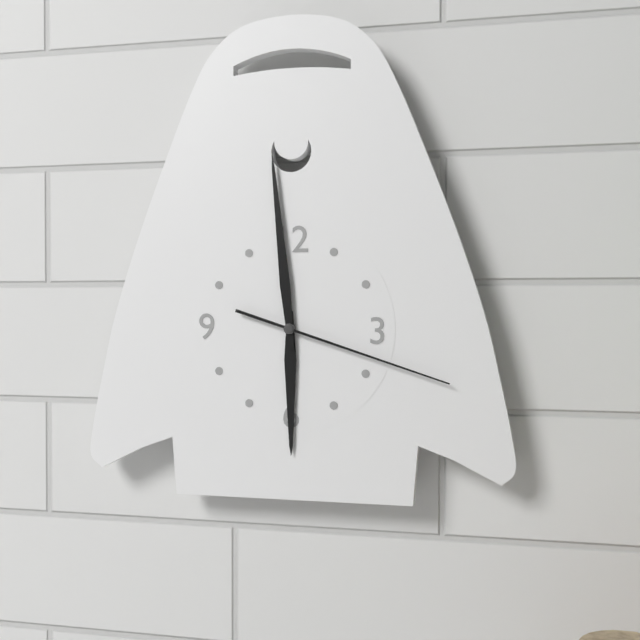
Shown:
h=5 m=59 s=18
